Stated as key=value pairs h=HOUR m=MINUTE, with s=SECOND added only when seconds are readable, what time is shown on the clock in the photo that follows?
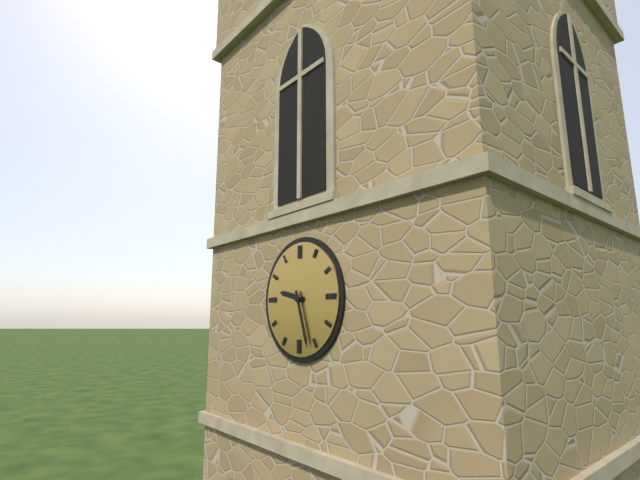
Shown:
h=9 m=27
